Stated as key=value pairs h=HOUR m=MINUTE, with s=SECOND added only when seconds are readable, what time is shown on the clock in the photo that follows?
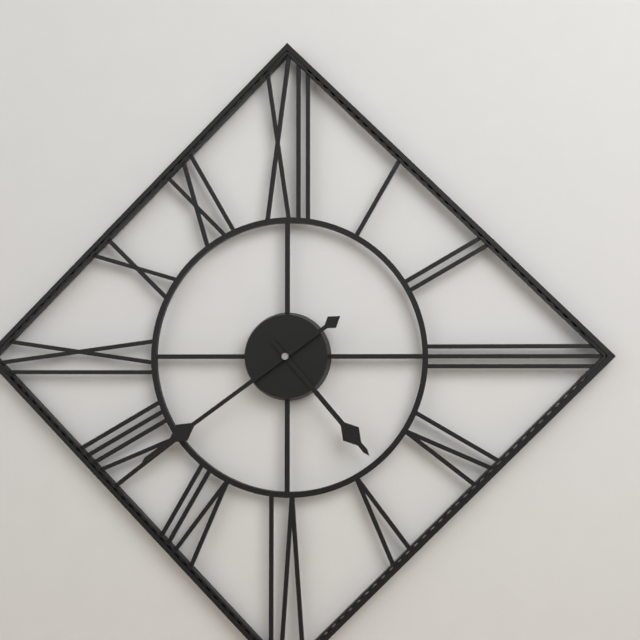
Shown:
h=4 m=39
